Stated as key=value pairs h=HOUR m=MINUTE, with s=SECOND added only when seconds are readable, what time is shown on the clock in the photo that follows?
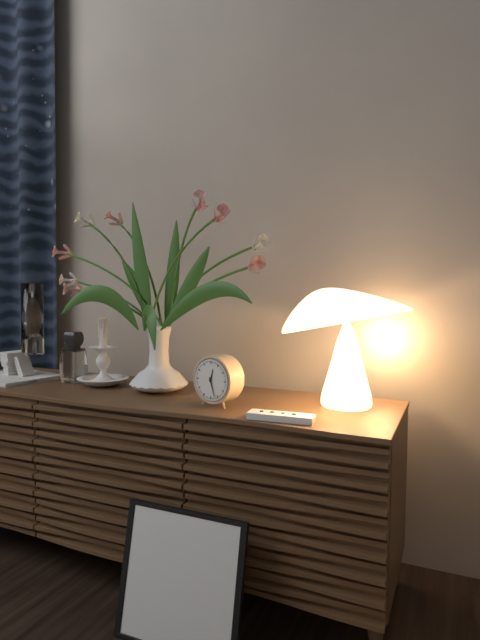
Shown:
h=12 m=27
